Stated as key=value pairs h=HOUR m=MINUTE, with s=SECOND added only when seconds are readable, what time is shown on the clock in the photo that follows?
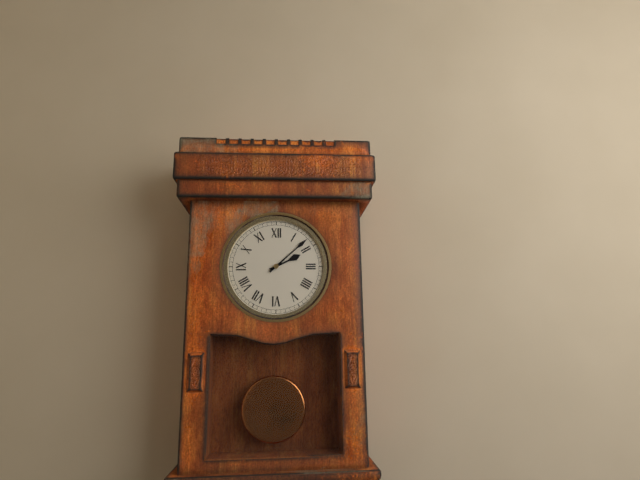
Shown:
h=2 m=8
